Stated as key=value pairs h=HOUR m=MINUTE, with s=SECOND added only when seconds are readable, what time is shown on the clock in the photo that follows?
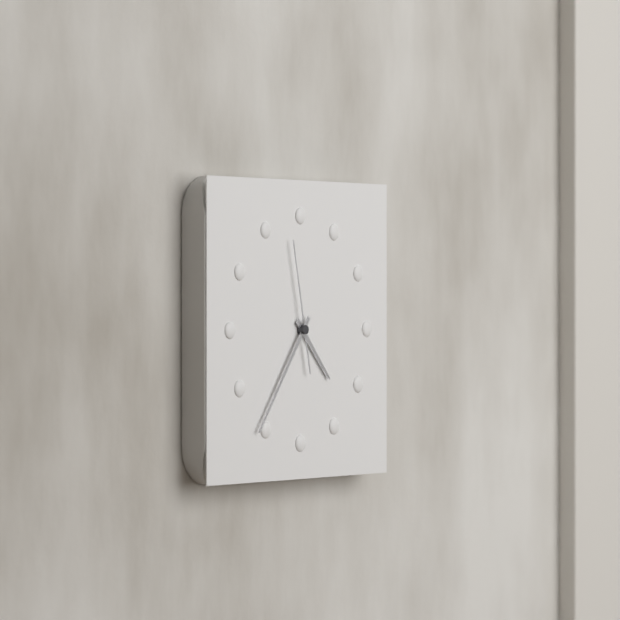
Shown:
h=4 m=36 s=58
